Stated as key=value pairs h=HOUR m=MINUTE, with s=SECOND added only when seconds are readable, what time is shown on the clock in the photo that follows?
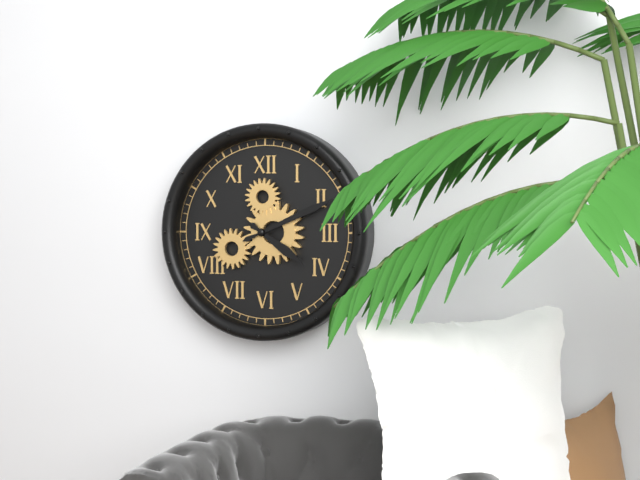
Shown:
h=4 m=11
